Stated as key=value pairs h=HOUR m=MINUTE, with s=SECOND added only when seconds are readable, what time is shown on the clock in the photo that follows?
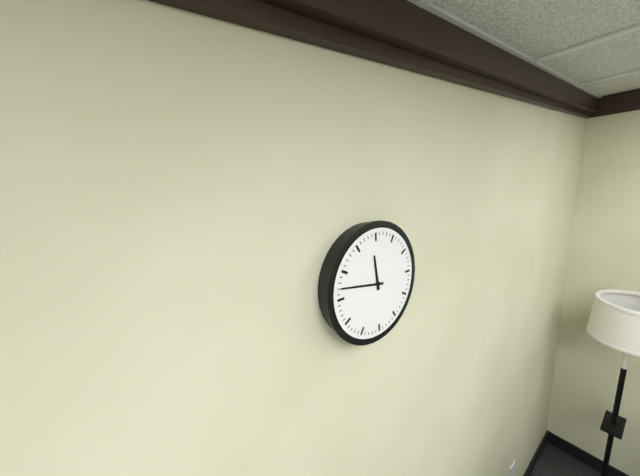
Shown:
h=11 m=47
